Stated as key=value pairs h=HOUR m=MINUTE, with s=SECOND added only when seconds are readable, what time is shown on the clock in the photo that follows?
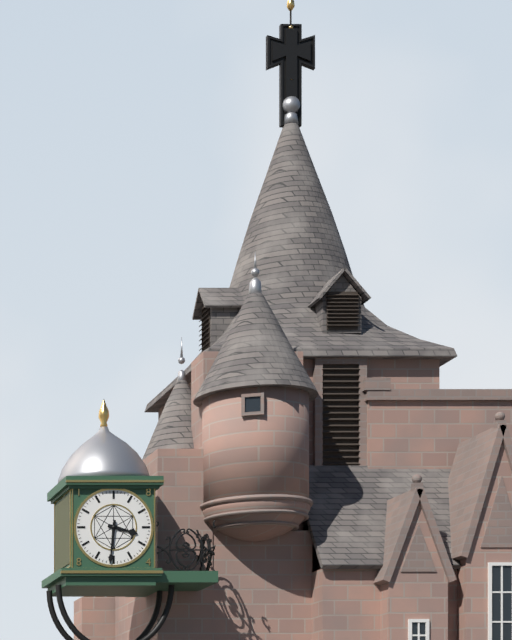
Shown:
h=3 m=31
